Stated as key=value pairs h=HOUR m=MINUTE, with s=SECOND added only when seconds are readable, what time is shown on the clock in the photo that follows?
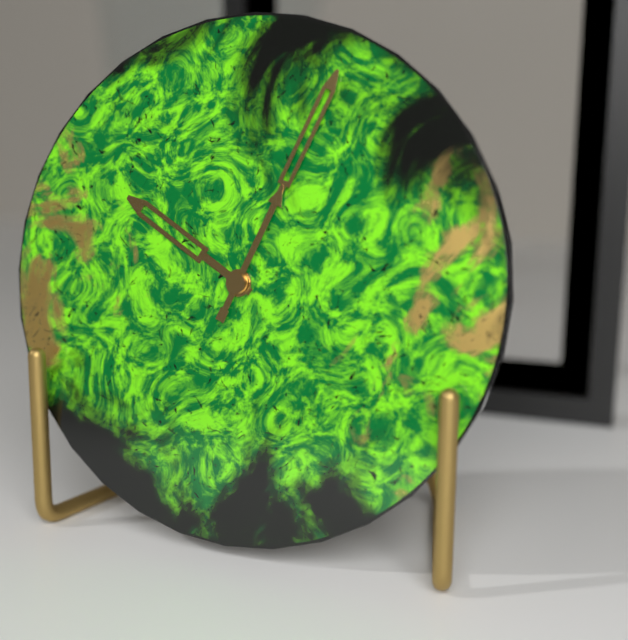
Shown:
h=10 m=4
